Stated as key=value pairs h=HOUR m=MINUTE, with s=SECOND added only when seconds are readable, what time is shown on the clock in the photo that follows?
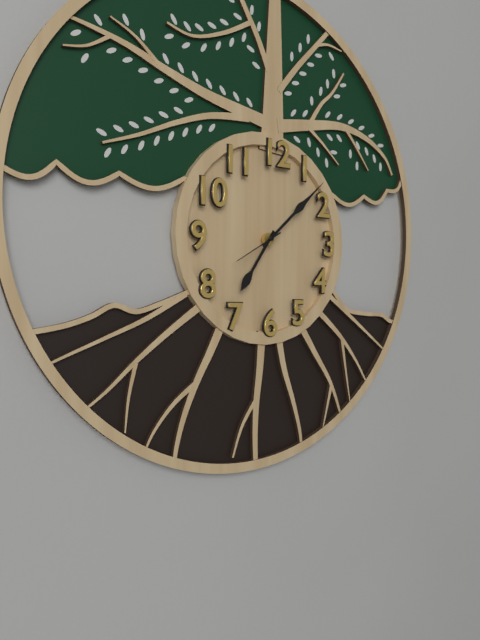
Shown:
h=7 m=8 s=40
